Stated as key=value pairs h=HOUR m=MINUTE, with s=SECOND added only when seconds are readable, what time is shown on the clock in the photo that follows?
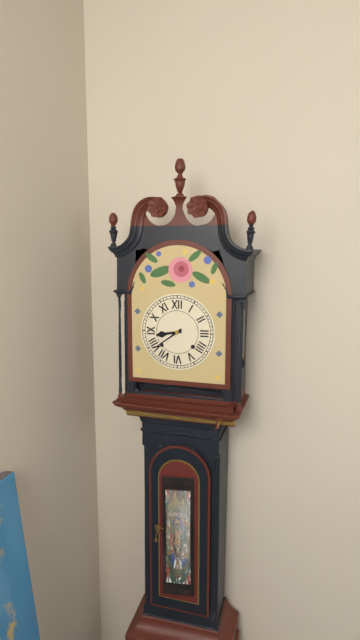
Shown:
h=8 m=39
